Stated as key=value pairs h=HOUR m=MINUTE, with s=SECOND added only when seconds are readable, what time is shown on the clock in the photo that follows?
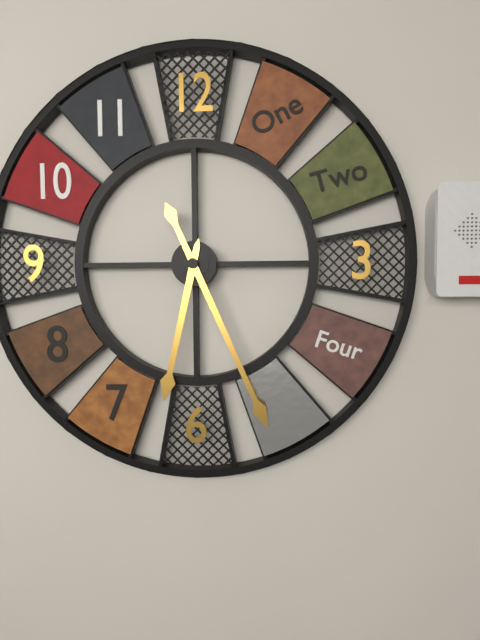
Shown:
h=6 m=26
